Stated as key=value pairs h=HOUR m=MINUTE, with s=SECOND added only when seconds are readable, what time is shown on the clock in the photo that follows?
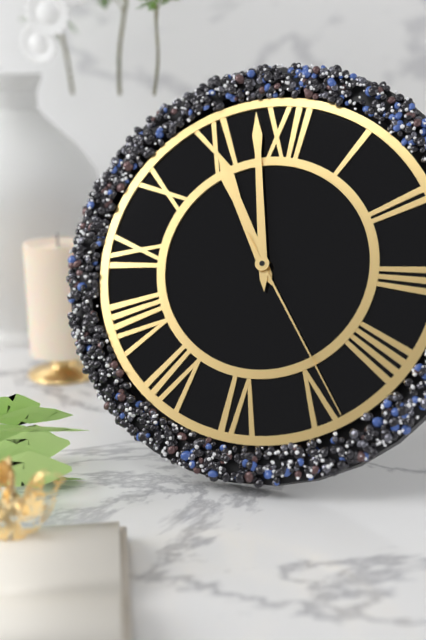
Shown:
h=10 m=58 s=24
